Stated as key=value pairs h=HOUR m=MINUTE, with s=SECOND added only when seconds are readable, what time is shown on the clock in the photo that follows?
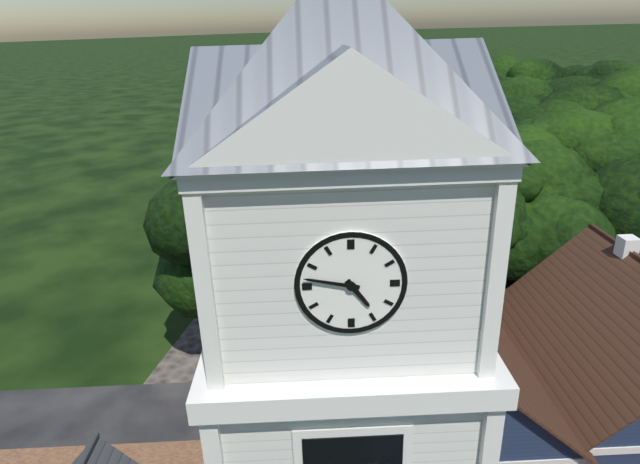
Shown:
h=4 m=47
